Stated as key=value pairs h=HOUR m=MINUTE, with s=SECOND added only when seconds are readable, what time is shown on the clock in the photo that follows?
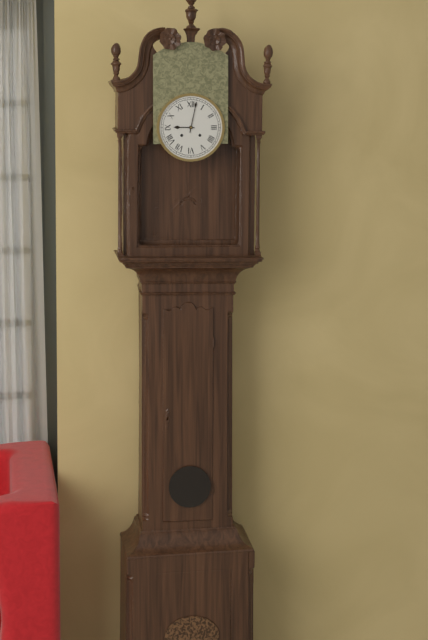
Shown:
h=9 m=2
